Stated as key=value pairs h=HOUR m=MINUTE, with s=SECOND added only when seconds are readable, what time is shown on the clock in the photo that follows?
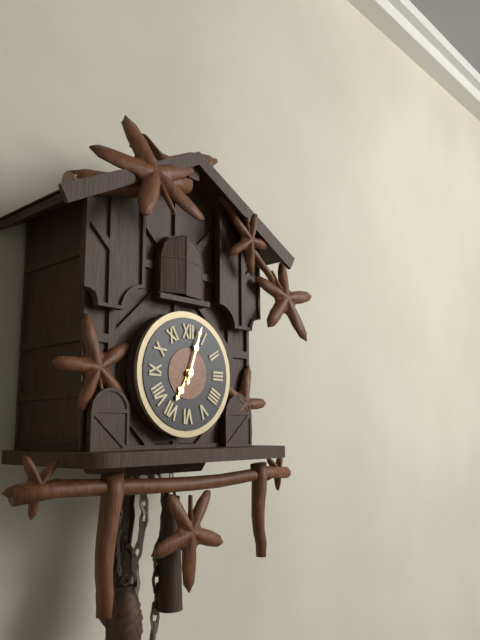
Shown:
h=7 m=3
